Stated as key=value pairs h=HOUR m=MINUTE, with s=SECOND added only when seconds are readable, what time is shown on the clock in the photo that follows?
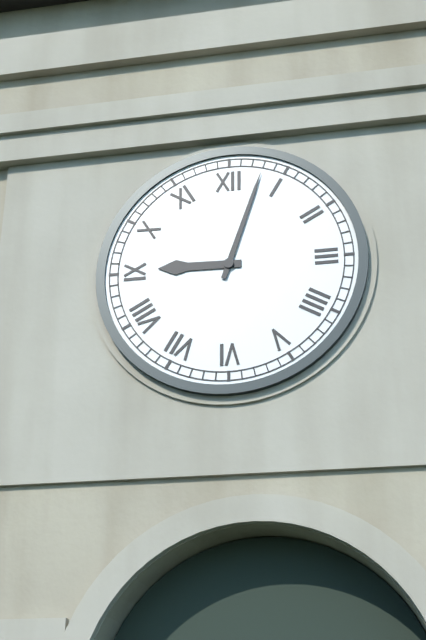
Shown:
h=9 m=3
